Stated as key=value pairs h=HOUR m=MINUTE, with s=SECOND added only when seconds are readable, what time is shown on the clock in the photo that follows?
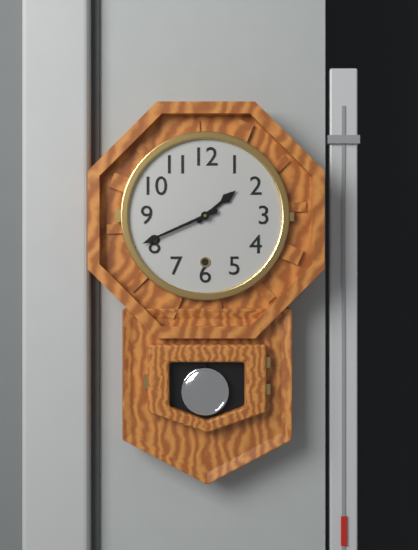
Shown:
h=1 m=41
